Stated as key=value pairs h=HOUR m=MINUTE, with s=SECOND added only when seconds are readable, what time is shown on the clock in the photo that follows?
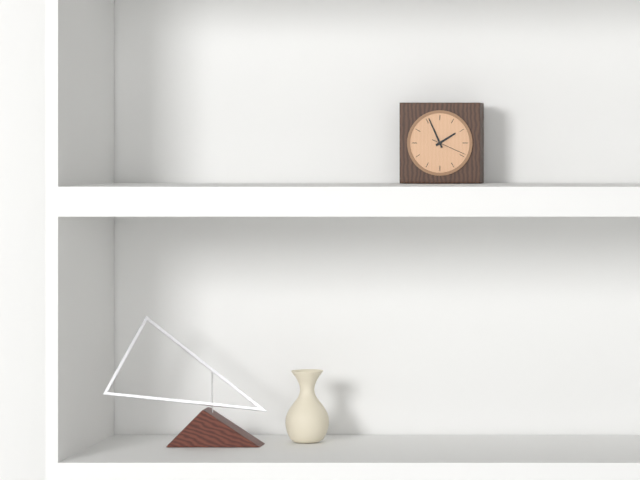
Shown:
h=1 m=56
